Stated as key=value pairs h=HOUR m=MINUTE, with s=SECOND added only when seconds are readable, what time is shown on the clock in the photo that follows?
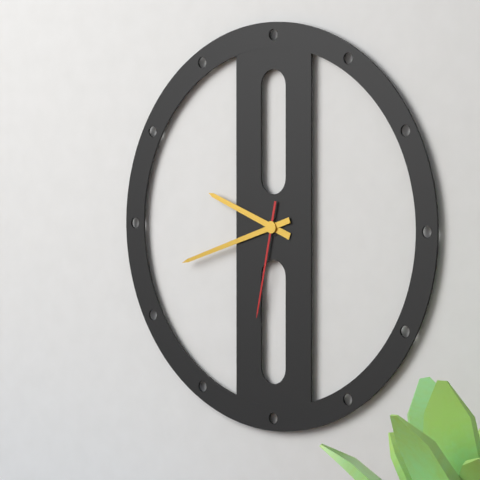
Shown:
h=9 m=42 s=32
